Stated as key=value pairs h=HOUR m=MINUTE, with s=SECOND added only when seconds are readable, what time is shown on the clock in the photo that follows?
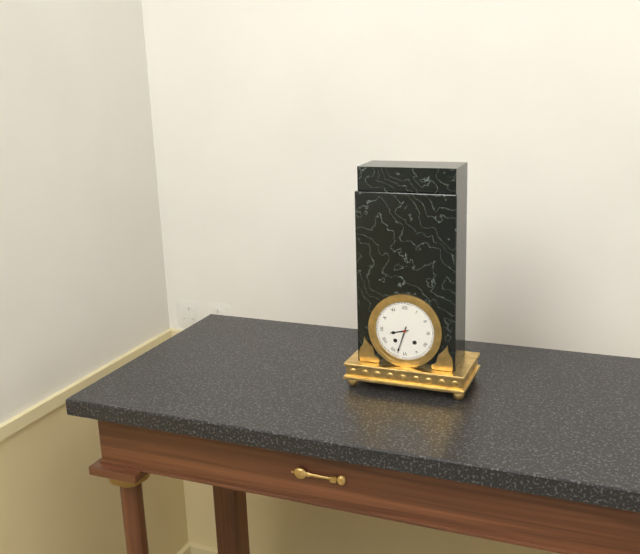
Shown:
h=8 m=33
